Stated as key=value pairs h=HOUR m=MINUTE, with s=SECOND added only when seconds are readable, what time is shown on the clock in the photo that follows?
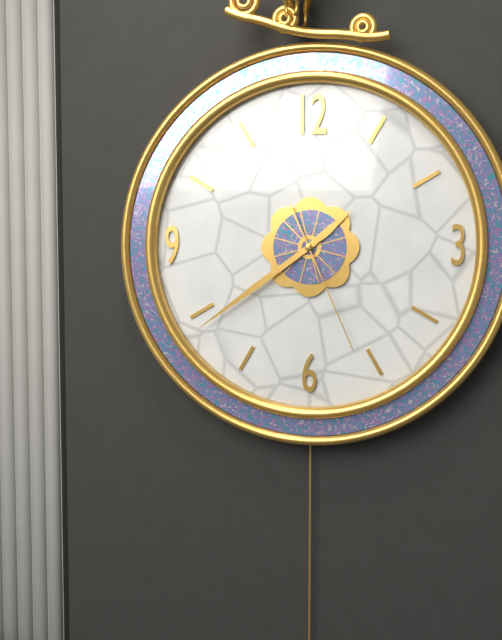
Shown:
h=1 m=39 s=26
